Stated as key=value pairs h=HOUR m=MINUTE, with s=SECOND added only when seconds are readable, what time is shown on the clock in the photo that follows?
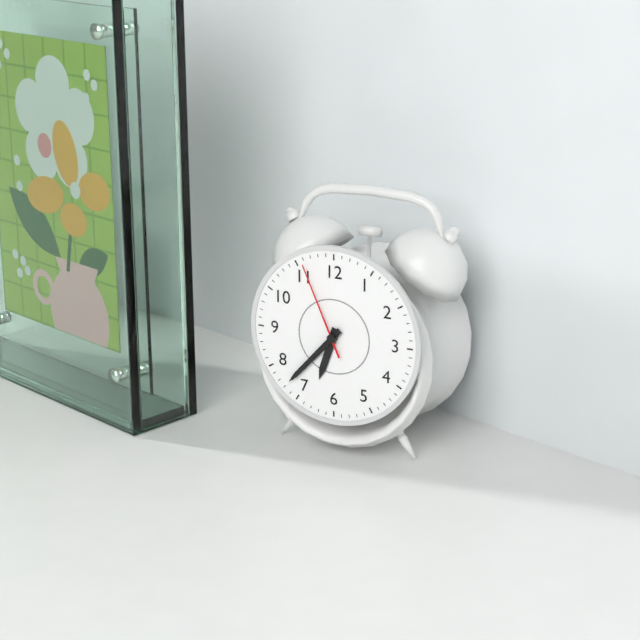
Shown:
h=6 m=37 s=56
